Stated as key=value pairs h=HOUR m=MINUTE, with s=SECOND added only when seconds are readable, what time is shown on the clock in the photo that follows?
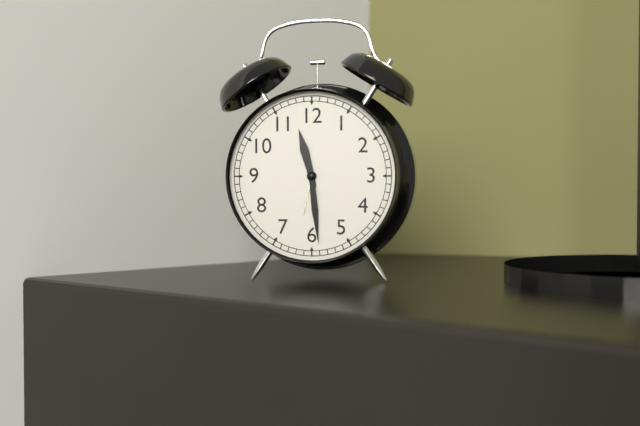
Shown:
h=11 m=29
